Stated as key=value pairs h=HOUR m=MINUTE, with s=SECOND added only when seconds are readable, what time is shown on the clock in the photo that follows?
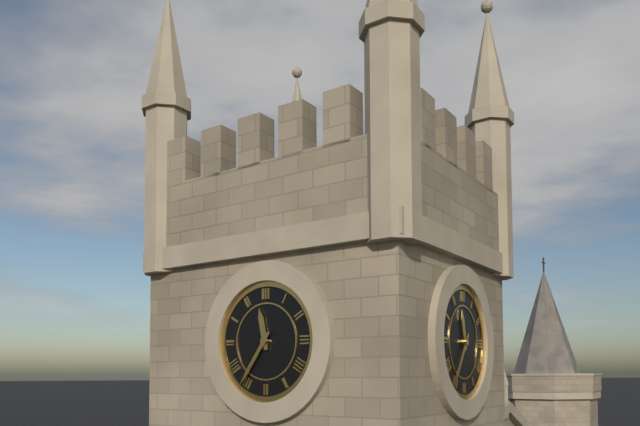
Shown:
h=11 m=36
